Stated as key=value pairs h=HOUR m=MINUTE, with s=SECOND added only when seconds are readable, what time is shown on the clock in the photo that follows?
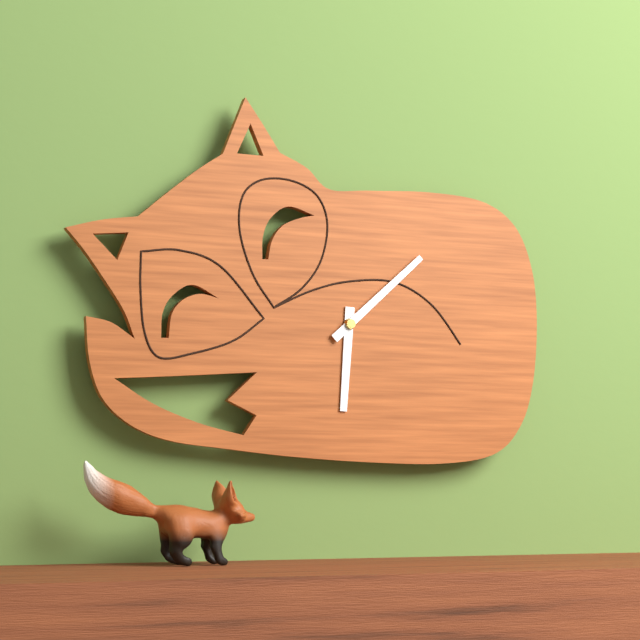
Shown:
h=6 m=8
